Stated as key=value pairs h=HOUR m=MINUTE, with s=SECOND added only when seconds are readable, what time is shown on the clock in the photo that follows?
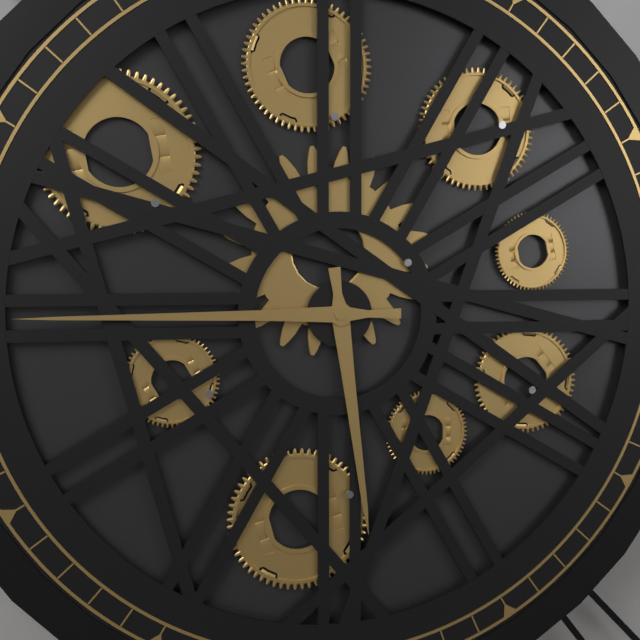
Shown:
h=5 m=45
